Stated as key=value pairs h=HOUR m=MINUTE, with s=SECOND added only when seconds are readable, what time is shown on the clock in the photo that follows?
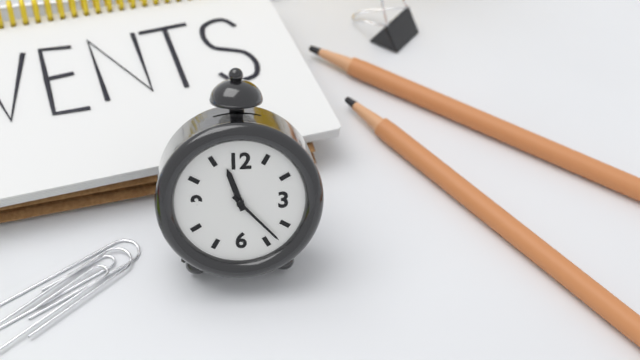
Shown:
h=11 m=23
